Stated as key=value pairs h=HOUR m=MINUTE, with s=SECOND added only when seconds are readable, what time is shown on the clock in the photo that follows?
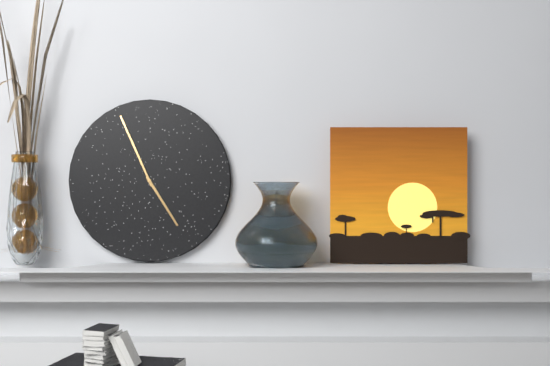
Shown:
h=4 m=56
